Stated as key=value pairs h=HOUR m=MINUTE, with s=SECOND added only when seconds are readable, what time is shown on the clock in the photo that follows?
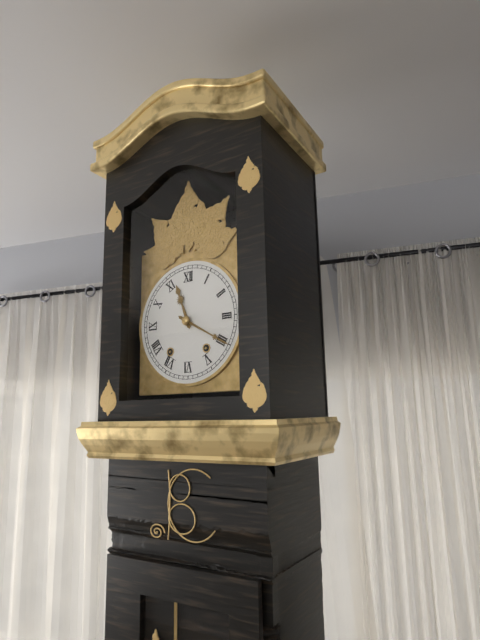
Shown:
h=11 m=20
